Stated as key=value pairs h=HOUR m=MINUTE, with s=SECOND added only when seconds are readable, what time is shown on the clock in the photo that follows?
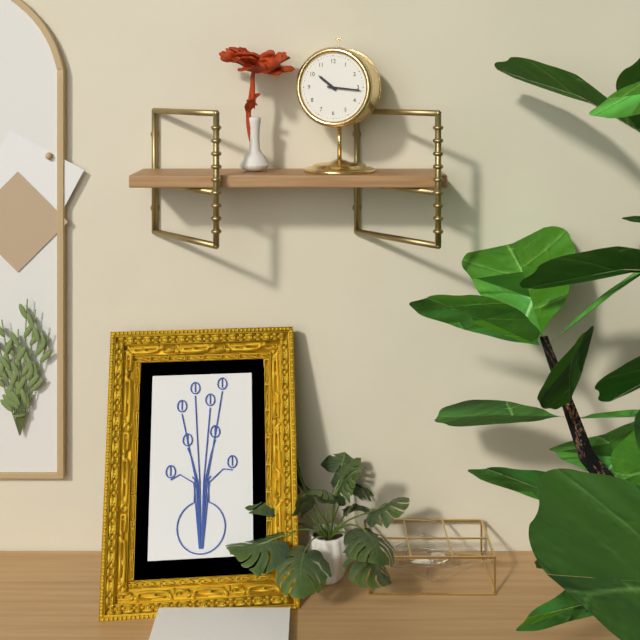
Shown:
h=10 m=16
